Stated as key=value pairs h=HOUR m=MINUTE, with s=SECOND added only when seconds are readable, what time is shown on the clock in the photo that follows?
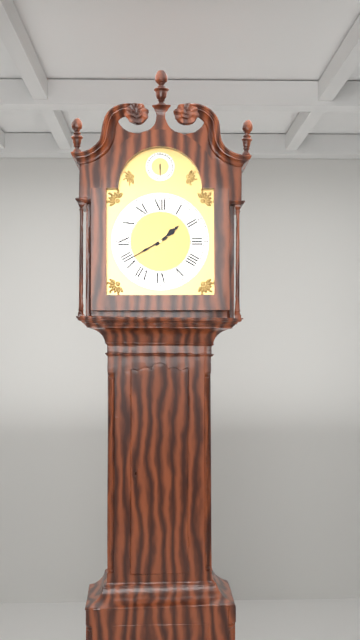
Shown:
h=1 m=40
